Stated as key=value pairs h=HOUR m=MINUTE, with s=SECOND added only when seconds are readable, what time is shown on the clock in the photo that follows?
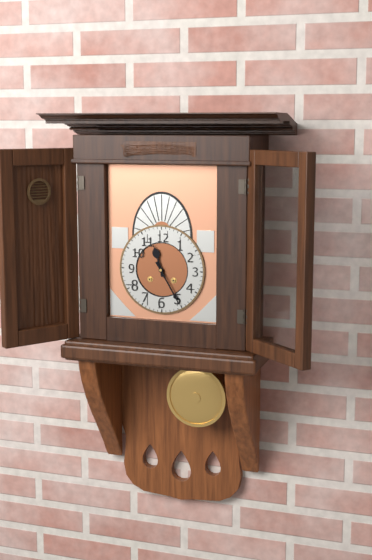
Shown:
h=11 m=25
